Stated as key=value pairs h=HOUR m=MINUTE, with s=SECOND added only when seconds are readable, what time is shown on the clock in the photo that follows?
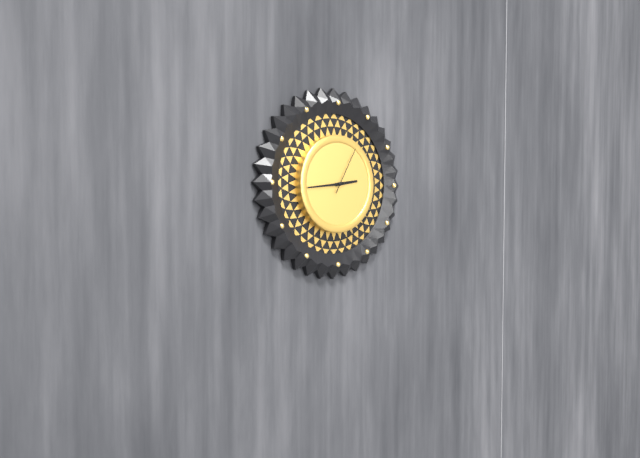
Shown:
h=2 m=44 s=5
